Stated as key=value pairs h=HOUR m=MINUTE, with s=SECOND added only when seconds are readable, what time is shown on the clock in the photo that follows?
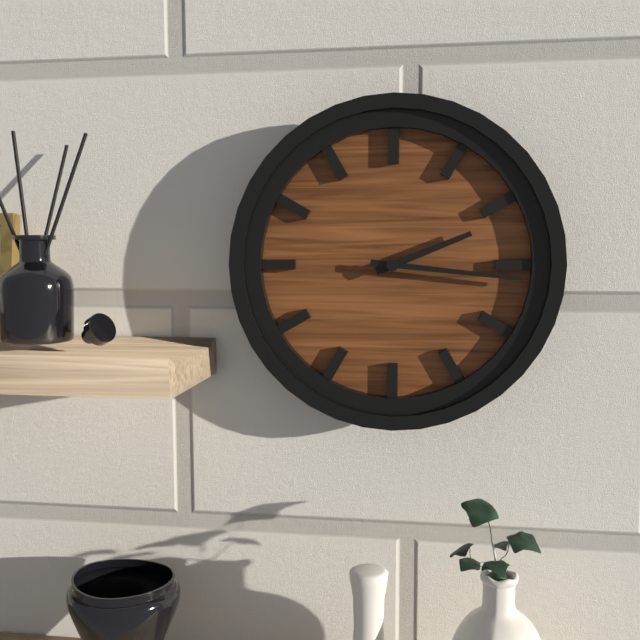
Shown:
h=2 m=16
